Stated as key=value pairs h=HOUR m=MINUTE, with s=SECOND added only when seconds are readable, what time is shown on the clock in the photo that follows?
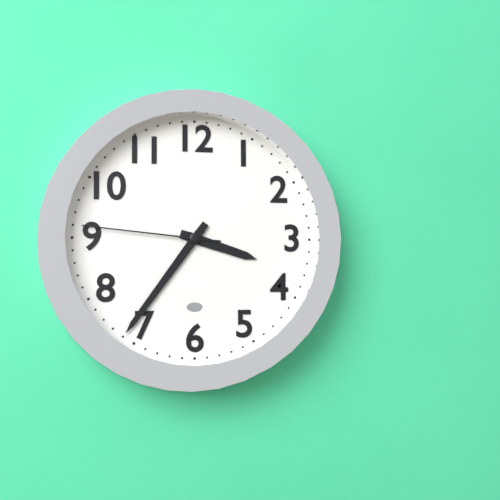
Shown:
h=3 m=36 s=46
